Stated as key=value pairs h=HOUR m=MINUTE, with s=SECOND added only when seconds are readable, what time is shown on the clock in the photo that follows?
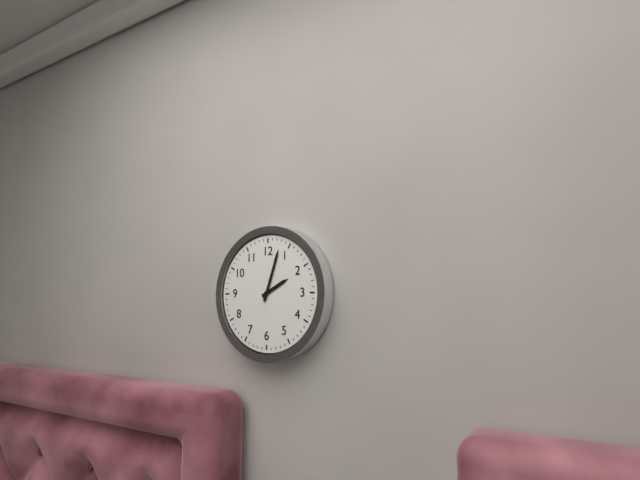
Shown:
h=2 m=3
